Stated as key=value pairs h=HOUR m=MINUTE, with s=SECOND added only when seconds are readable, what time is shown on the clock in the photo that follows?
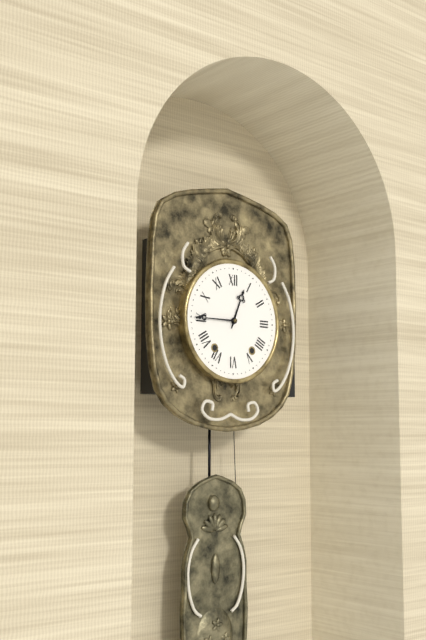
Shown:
h=12 m=45
